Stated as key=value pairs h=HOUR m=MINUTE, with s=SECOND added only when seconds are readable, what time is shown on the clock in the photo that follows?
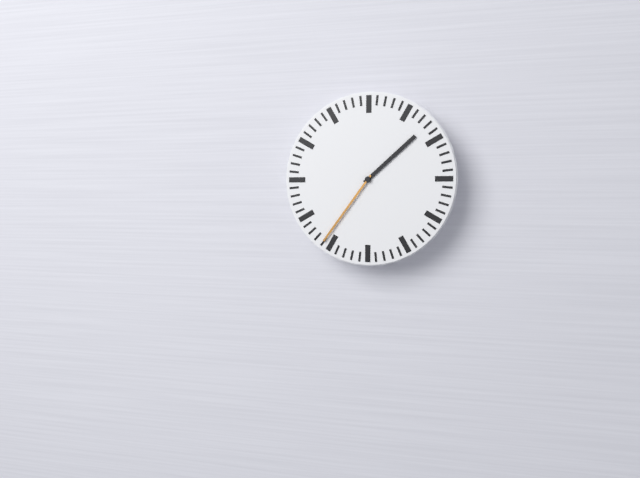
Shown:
h=1 m=36
